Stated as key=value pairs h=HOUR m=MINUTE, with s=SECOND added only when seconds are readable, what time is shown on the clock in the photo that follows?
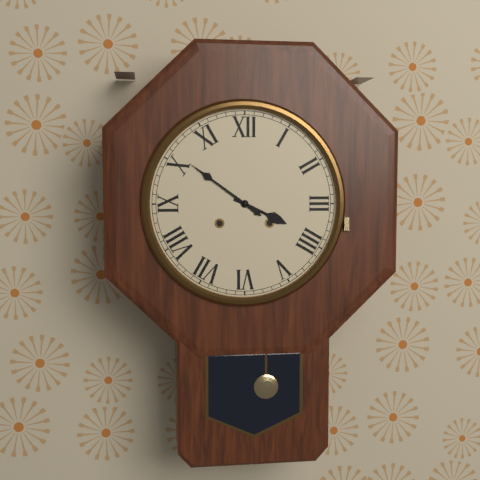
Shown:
h=3 m=51
